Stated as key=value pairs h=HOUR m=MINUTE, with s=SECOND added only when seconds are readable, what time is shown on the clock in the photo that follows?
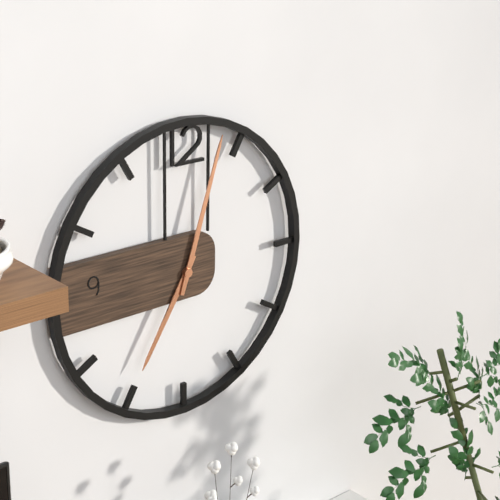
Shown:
h=7 m=3
